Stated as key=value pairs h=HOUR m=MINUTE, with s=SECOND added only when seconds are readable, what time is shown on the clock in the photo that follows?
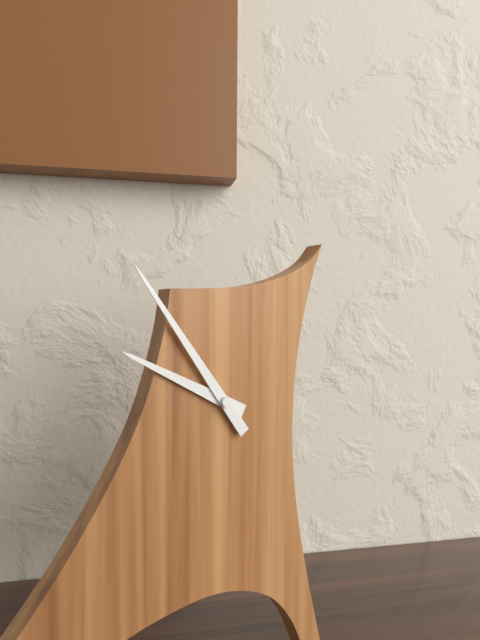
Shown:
h=9 m=54
